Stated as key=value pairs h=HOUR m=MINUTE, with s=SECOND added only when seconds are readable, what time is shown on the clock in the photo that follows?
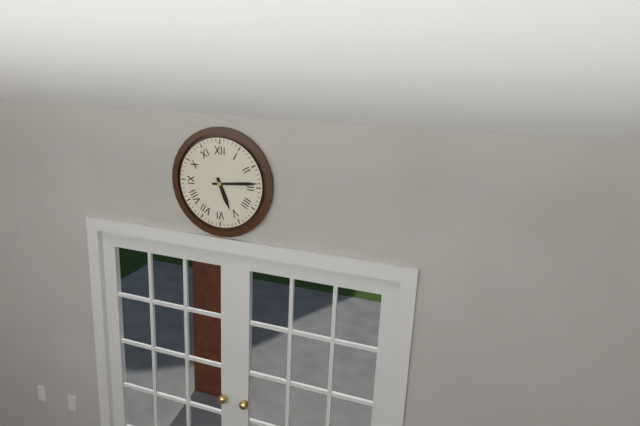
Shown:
h=5 m=14
